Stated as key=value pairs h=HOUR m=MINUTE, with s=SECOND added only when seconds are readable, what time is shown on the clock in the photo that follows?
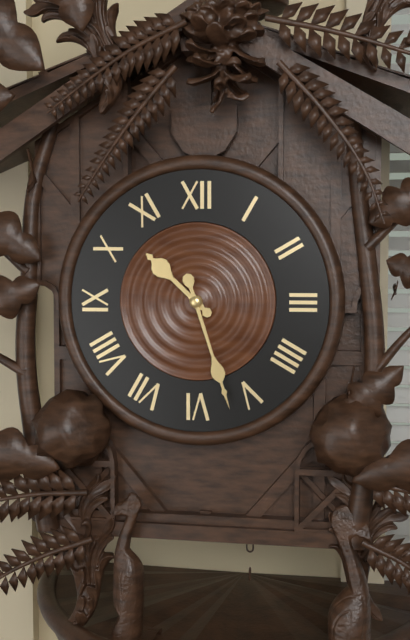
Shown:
h=10 m=27
